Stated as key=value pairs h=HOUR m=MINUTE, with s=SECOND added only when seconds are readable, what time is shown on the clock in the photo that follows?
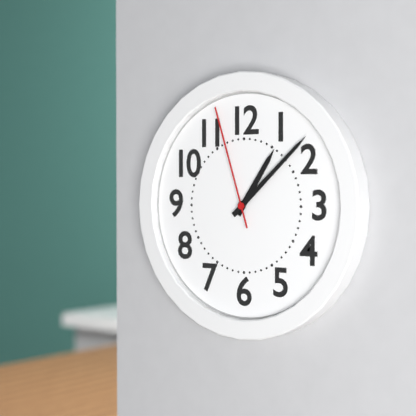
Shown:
h=1 m=8 s=57
